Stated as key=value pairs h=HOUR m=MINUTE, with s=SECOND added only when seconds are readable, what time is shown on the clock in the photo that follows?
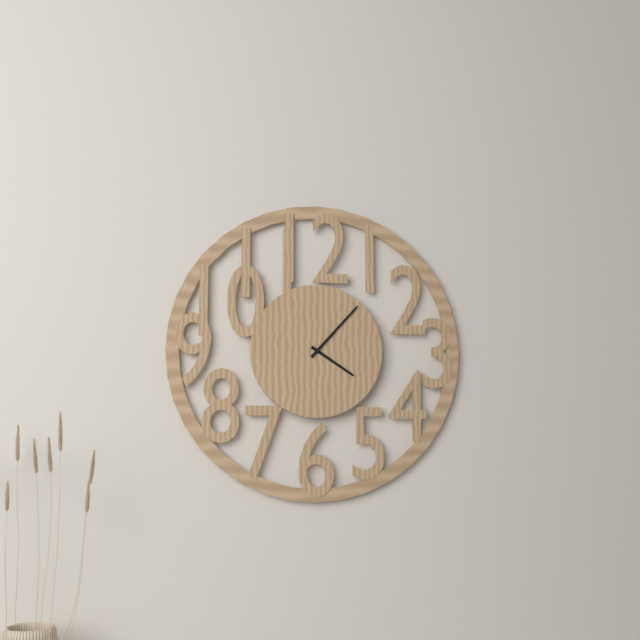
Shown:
h=4 m=7
